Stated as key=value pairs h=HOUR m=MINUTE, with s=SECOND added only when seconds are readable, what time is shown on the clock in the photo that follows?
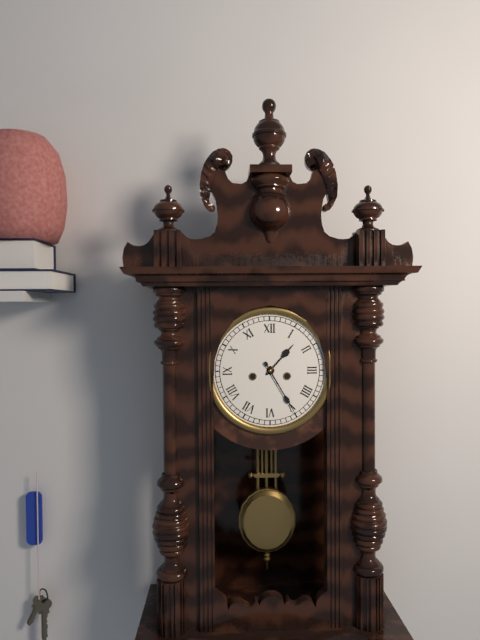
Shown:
h=1 m=25
